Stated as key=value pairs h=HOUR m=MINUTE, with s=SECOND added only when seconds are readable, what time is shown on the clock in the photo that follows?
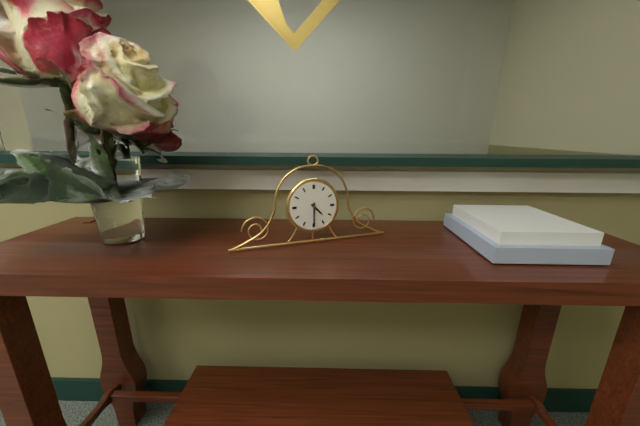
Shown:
h=4 m=30
